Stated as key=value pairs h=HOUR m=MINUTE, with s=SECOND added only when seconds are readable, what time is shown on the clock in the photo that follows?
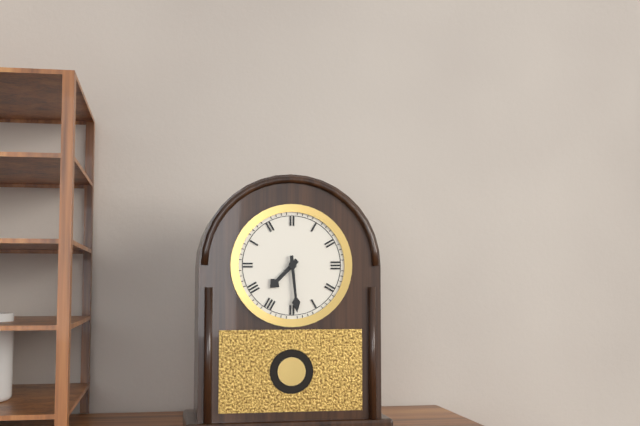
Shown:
h=7 m=29
